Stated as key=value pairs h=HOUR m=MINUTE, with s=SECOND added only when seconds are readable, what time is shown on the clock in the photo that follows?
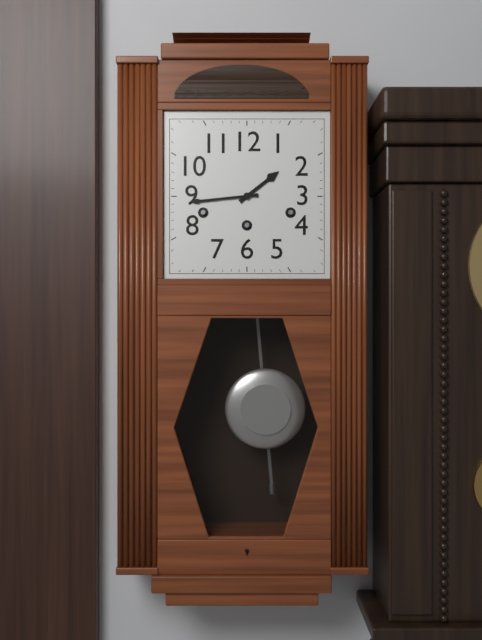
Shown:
h=1 m=44
